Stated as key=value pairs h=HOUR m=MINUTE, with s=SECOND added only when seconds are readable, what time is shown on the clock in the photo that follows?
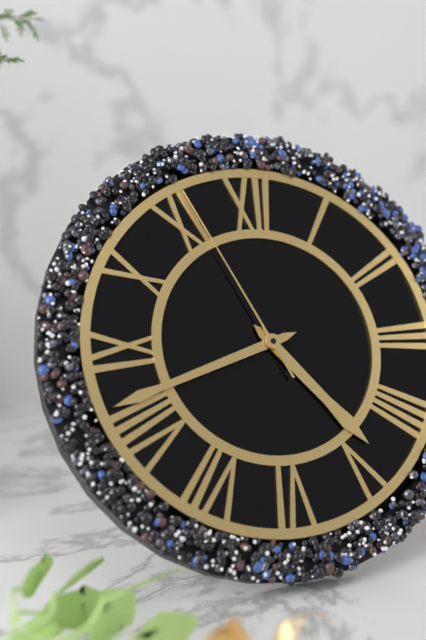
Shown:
h=4 m=42 s=56
